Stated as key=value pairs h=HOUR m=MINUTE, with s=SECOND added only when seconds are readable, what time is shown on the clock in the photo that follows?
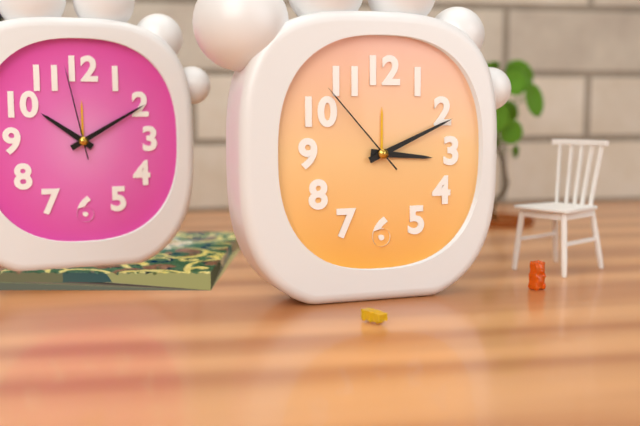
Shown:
h=3 m=11 s=53
